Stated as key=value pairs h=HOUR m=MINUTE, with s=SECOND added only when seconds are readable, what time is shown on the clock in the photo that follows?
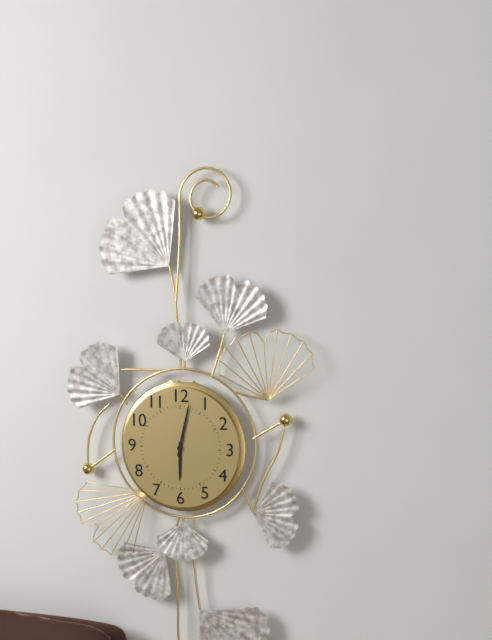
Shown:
h=6 m=2
